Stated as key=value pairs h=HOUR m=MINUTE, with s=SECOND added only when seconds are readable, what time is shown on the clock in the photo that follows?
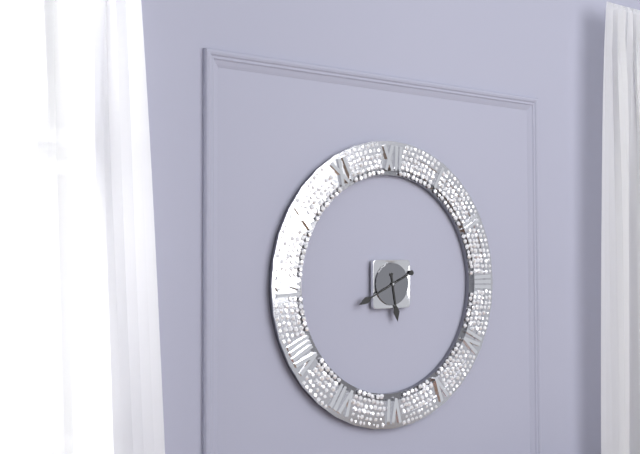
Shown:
h=5 m=41
